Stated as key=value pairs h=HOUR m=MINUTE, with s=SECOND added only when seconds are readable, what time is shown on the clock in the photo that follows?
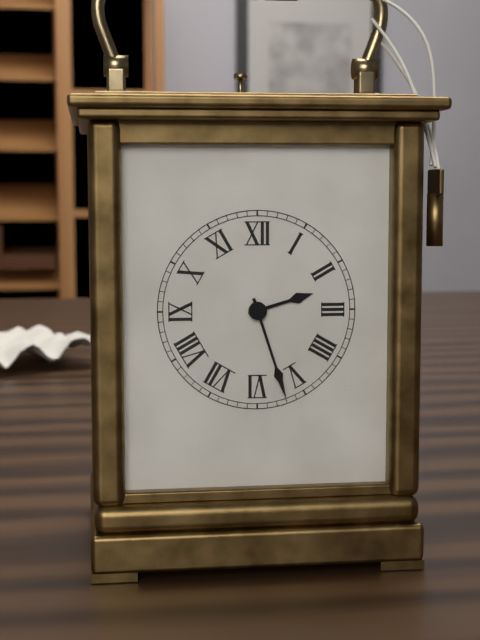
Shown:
h=2 m=27
